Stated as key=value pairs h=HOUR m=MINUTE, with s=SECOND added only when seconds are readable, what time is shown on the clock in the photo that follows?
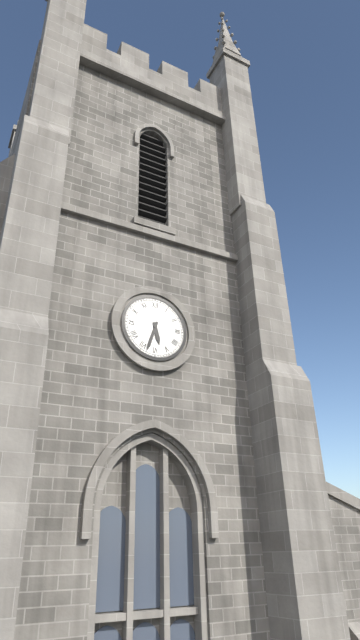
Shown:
h=5 m=33
